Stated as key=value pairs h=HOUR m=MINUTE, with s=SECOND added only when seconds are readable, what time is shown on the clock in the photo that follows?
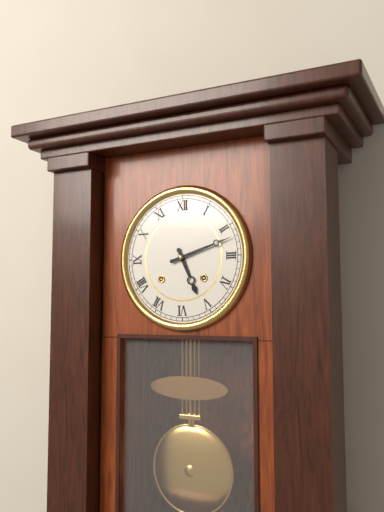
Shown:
h=5 m=12
